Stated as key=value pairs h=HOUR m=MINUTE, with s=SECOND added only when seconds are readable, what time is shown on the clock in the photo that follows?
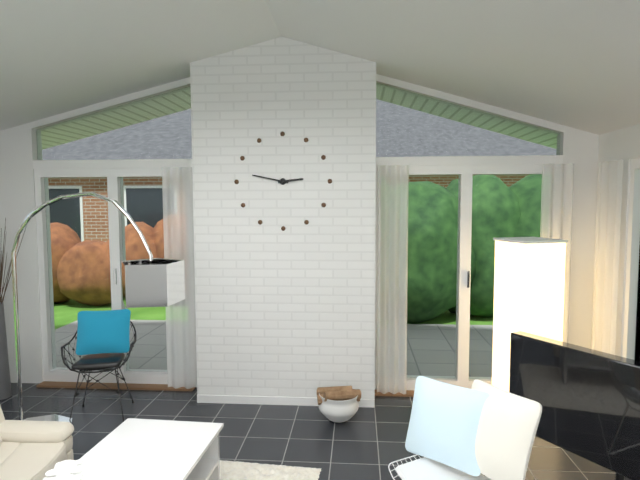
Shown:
h=2 m=47
